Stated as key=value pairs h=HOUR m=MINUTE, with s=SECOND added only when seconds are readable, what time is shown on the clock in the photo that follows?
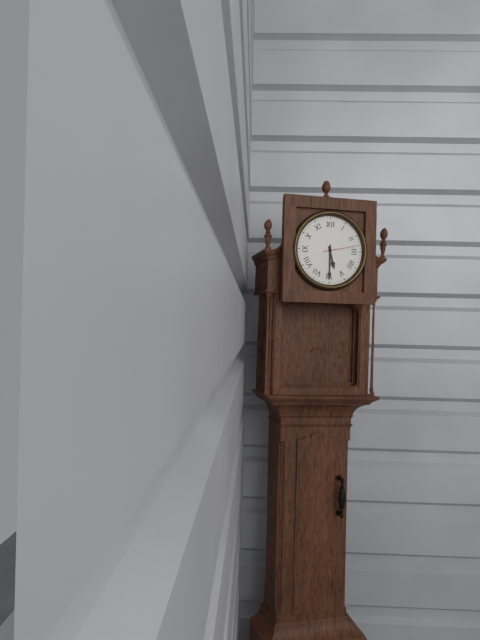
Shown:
h=5 m=30
